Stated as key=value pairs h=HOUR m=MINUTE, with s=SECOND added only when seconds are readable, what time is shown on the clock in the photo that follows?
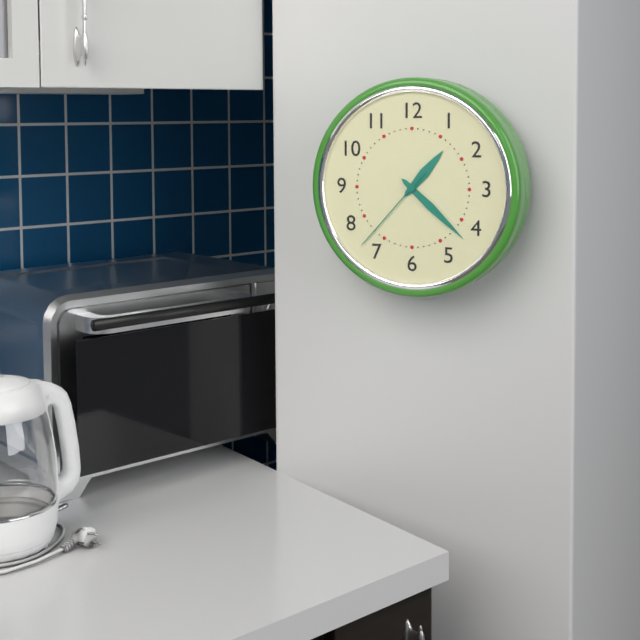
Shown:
h=1 m=22 s=37
